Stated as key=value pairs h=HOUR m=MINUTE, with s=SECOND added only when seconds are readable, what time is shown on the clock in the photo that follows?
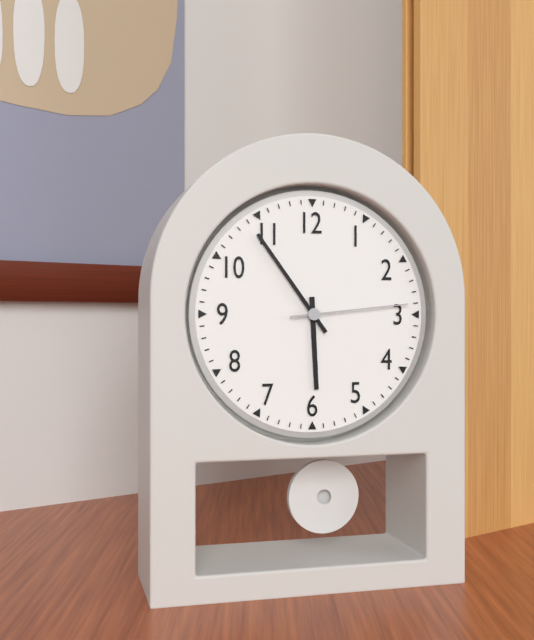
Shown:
h=5 m=54 s=14
